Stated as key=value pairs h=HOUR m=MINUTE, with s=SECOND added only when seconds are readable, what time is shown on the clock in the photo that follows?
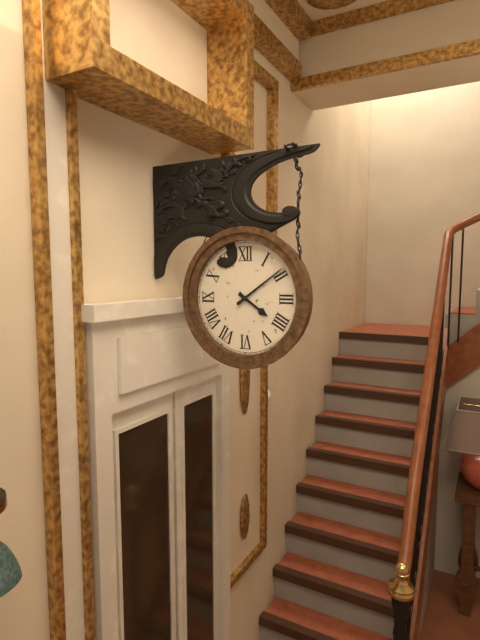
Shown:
h=4 m=9
